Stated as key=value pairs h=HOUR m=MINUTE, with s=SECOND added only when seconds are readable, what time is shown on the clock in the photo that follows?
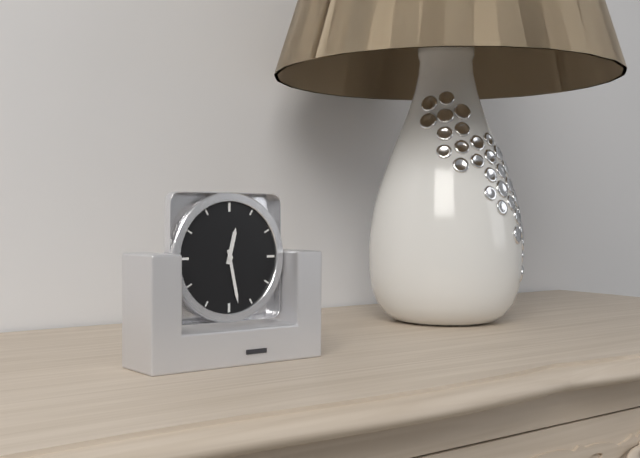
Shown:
h=12 m=28
